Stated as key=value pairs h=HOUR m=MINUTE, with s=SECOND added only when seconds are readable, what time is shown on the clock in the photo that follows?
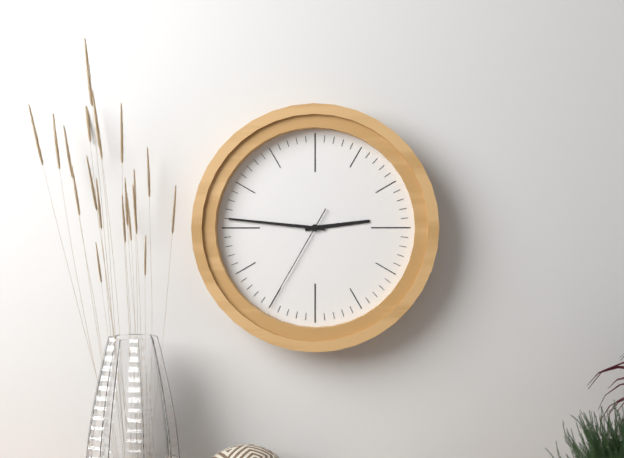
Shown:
h=2 m=46 s=35
